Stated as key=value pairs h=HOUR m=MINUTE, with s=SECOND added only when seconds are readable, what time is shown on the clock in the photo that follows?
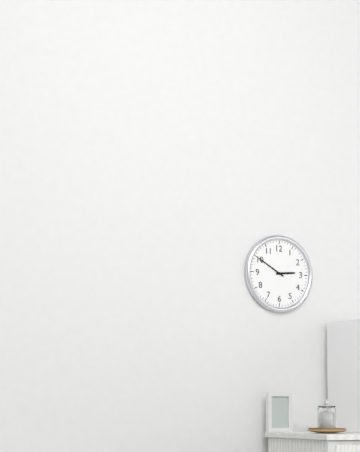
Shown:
h=2 m=50
